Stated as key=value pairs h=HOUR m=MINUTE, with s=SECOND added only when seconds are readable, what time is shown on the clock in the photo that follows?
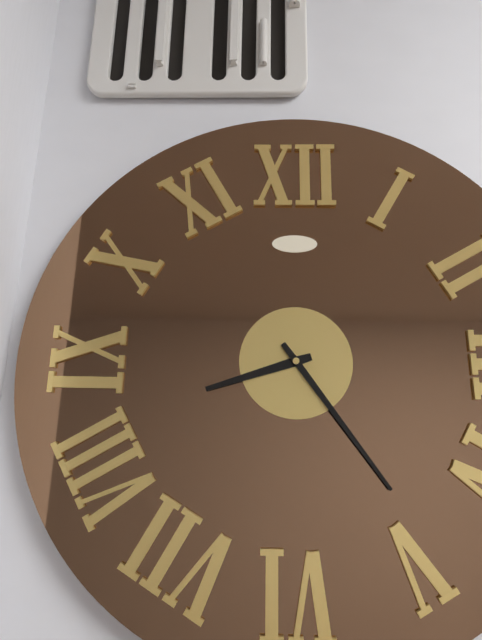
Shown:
h=8 m=24
